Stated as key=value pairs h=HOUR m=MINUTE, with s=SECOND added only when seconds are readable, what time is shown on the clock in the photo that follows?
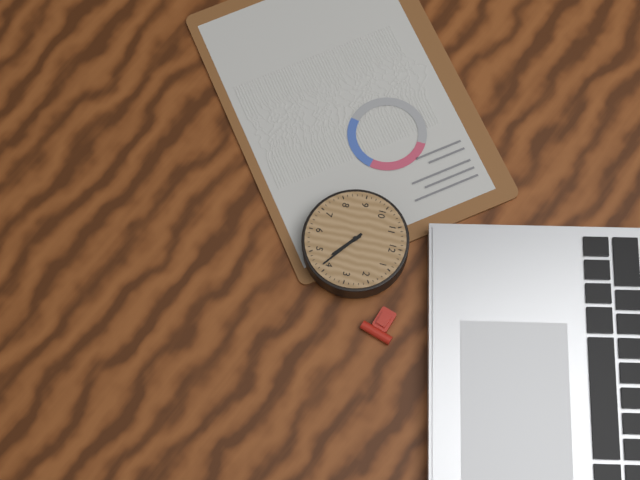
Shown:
h=4 m=21
